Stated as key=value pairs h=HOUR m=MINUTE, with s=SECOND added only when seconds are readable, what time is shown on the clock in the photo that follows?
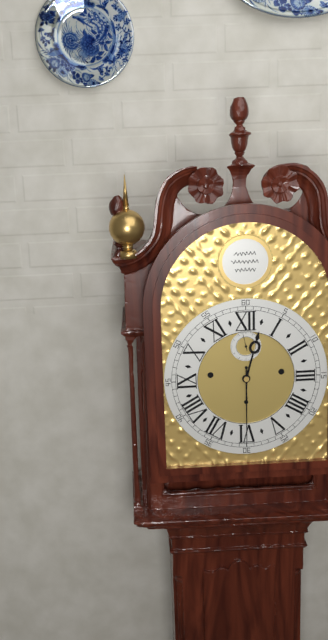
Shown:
h=12 m=30
